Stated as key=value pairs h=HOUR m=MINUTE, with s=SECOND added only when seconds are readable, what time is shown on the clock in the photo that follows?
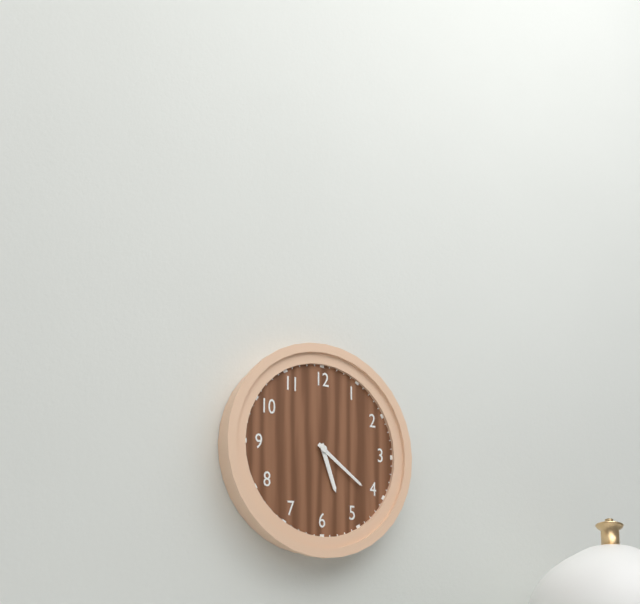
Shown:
h=5 m=21
